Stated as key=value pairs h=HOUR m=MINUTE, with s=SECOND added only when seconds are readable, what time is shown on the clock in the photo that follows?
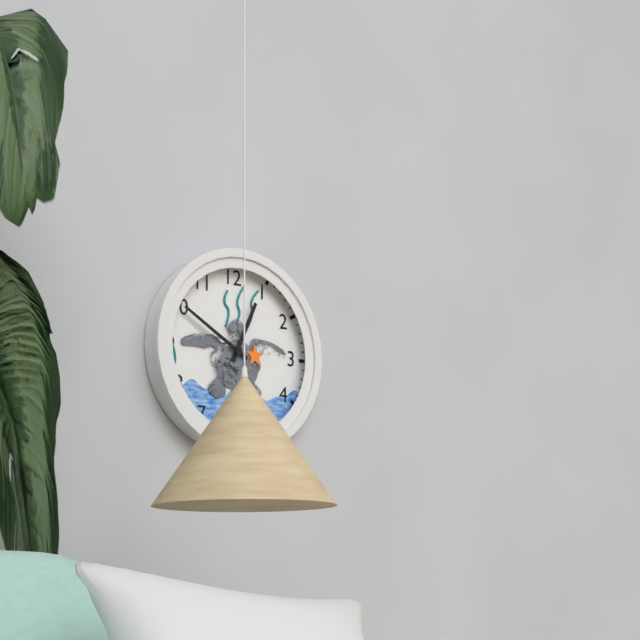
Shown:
h=12 m=50
